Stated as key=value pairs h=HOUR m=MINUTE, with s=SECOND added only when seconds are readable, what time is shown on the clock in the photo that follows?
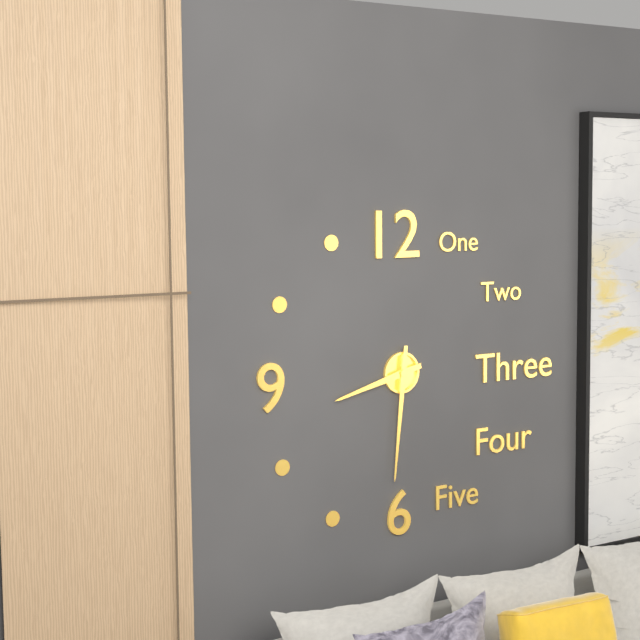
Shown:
h=8 m=31
